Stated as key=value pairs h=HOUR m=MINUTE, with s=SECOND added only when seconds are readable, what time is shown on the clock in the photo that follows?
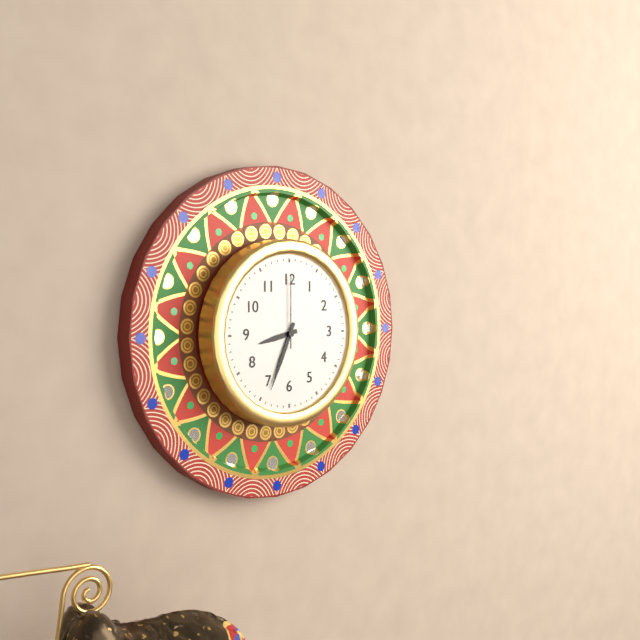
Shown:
h=8 m=34 s=0
